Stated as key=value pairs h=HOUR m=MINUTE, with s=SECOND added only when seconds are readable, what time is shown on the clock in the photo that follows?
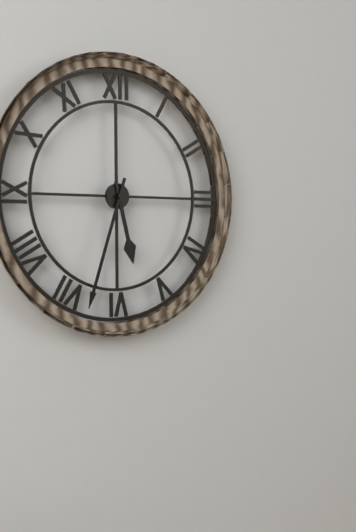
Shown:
h=5 m=33
